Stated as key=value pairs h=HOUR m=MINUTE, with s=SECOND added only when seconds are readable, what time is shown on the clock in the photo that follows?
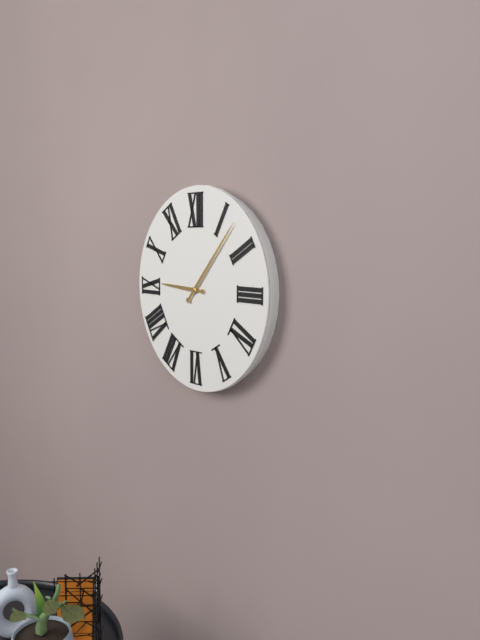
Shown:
h=9 m=7
